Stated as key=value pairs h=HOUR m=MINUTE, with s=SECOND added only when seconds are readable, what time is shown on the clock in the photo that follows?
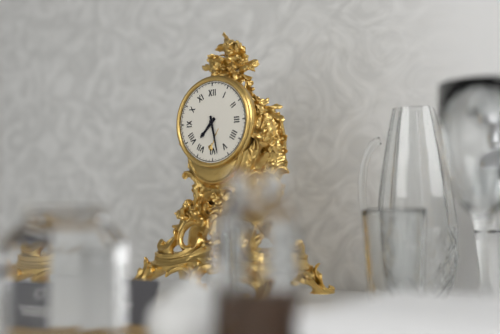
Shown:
h=7 m=28
